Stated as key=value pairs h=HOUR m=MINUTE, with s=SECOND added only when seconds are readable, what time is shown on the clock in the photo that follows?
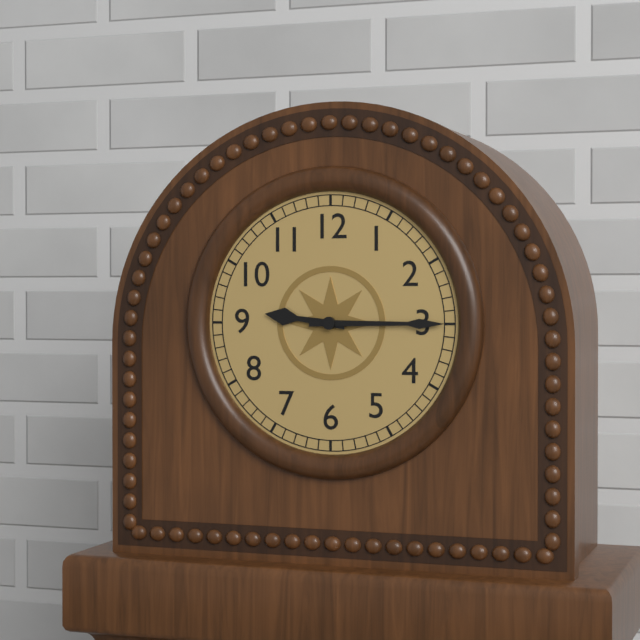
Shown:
h=9 m=15
